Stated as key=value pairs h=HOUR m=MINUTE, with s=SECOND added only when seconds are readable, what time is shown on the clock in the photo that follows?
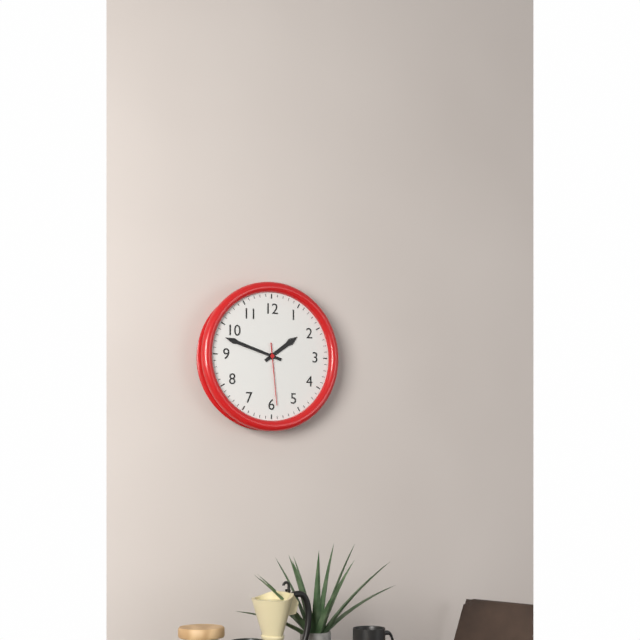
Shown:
h=1 m=48 s=29
